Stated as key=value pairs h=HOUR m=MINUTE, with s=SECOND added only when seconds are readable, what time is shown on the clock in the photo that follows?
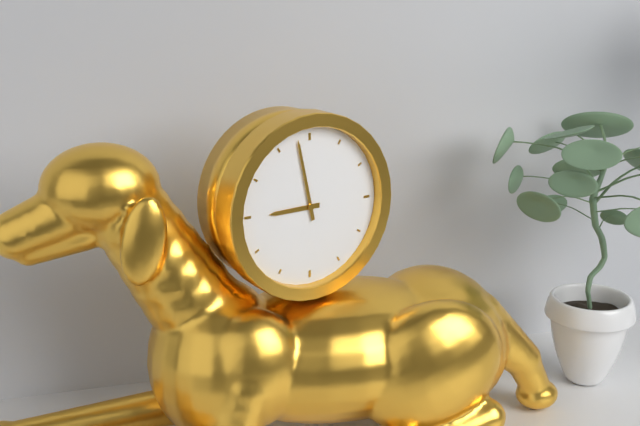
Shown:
h=8 m=58
